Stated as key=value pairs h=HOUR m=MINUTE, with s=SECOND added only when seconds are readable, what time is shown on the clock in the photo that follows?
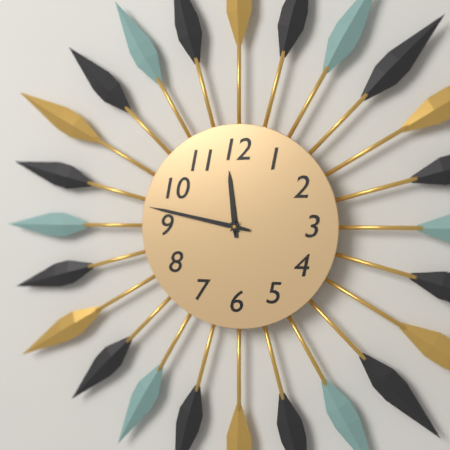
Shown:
h=11 m=47
